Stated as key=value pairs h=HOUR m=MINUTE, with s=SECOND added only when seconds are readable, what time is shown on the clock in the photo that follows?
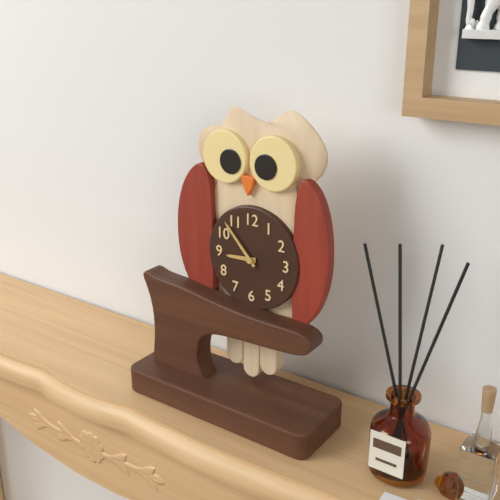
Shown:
h=8 m=53
